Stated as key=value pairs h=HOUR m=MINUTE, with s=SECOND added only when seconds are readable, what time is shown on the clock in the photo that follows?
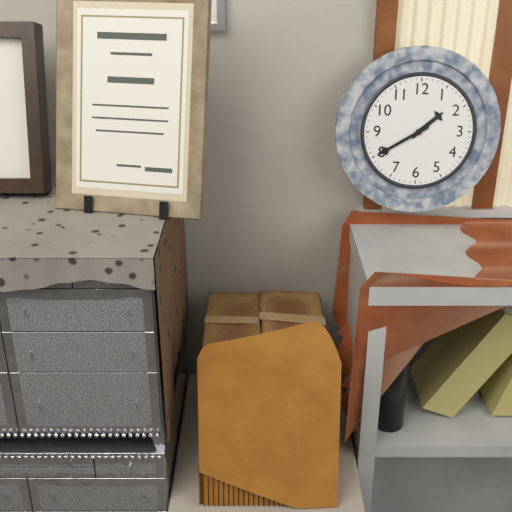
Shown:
h=1 m=40
